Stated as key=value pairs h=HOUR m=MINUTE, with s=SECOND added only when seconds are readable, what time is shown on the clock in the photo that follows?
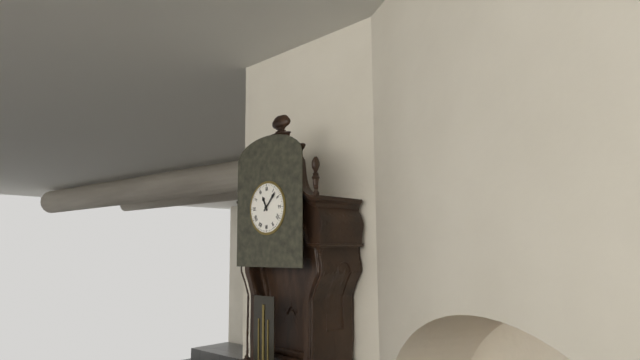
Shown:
h=11 m=7
